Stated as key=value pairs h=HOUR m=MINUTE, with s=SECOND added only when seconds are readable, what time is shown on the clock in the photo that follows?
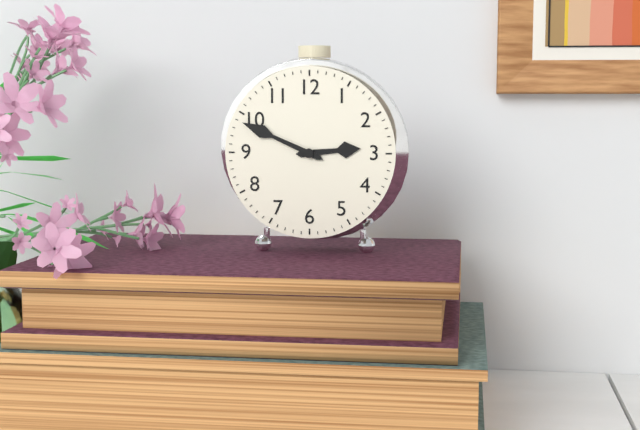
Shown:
h=2 m=49
